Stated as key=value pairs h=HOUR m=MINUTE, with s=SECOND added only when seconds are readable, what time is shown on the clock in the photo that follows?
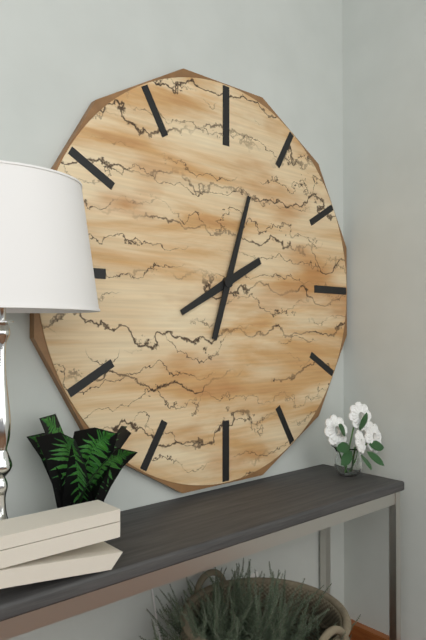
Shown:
h=8 m=3
